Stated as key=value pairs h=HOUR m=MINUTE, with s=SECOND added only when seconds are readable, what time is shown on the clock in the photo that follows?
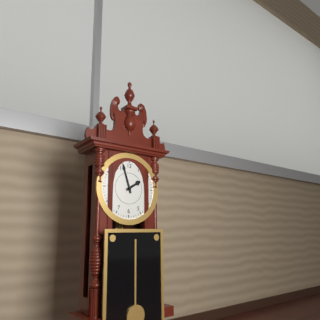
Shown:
h=1 m=57
